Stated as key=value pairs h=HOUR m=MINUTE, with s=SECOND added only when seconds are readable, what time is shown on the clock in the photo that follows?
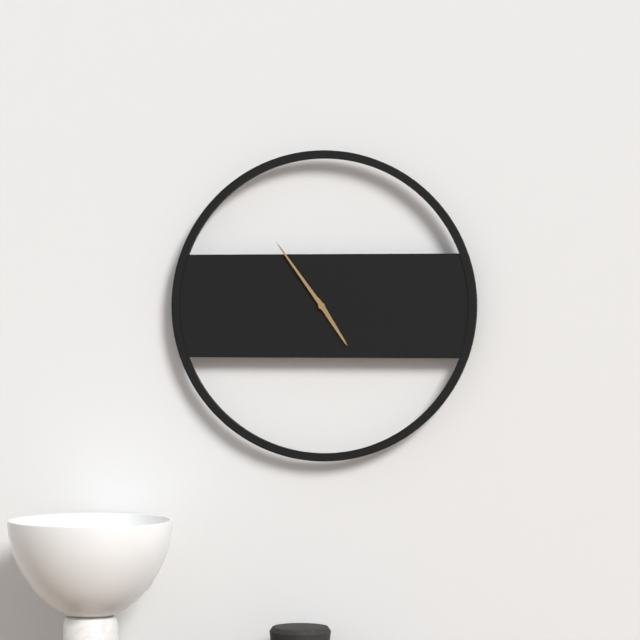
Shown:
h=4 m=54
